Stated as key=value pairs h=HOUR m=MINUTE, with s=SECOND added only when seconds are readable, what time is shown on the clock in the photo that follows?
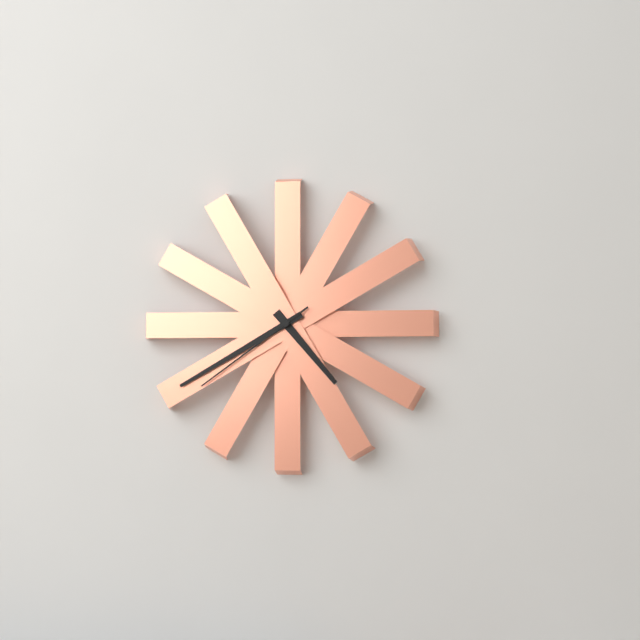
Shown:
h=4 m=40 s=39
